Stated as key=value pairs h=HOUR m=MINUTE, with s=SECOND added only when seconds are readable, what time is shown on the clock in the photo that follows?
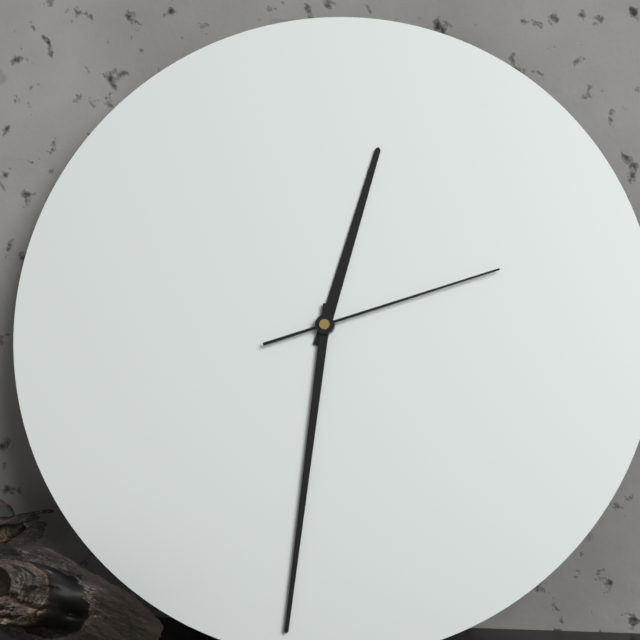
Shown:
h=12 m=31 s=12
